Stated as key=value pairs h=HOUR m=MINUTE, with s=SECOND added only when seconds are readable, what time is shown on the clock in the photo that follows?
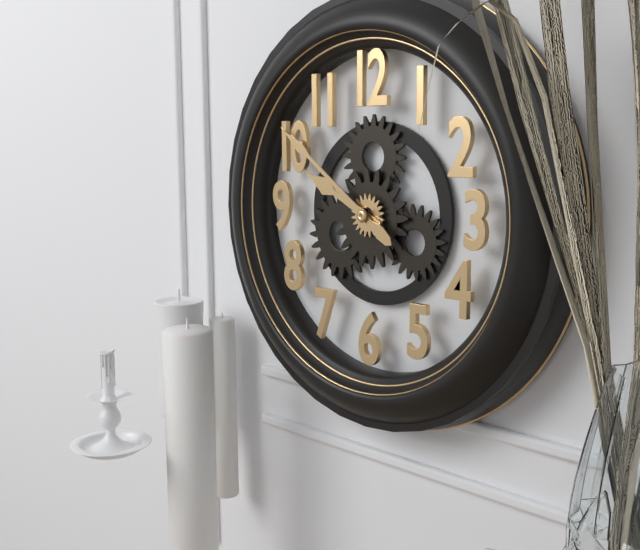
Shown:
h=9 m=51
